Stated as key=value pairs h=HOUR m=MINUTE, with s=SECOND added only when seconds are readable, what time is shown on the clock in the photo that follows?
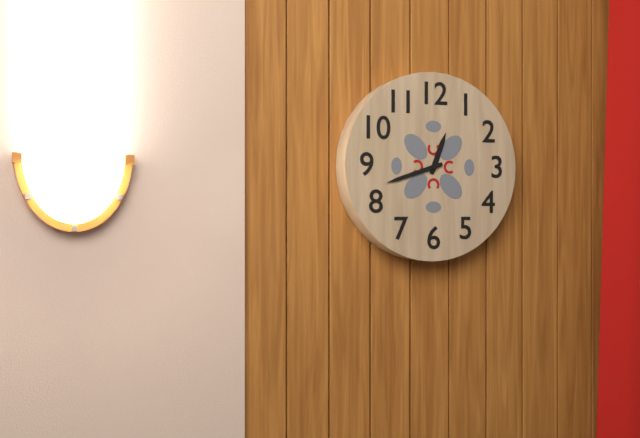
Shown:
h=12 m=42
